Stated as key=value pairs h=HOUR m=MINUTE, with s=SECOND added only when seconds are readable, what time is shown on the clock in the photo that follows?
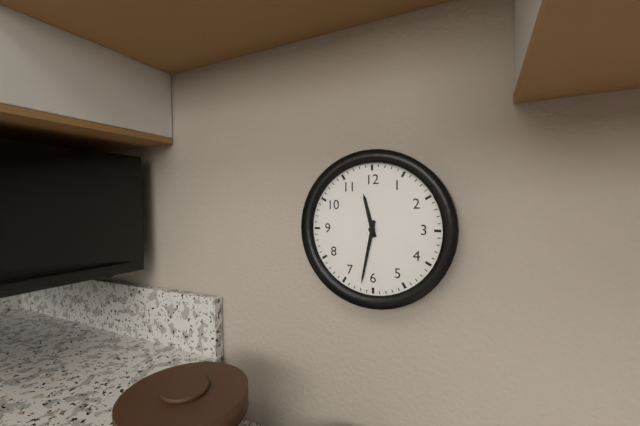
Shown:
h=11 m=32
